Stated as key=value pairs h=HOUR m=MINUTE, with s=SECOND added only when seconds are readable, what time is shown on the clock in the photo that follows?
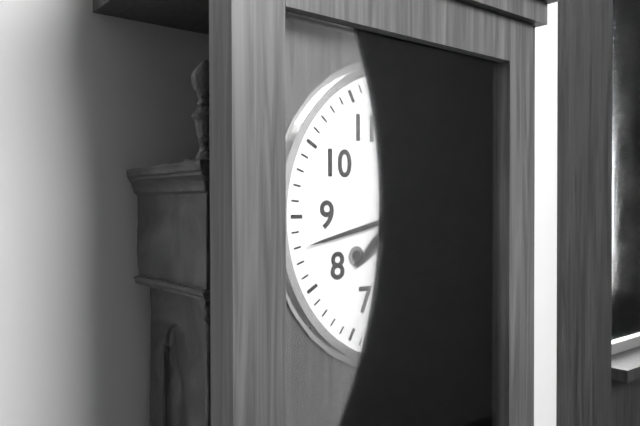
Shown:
h=7 m=43
